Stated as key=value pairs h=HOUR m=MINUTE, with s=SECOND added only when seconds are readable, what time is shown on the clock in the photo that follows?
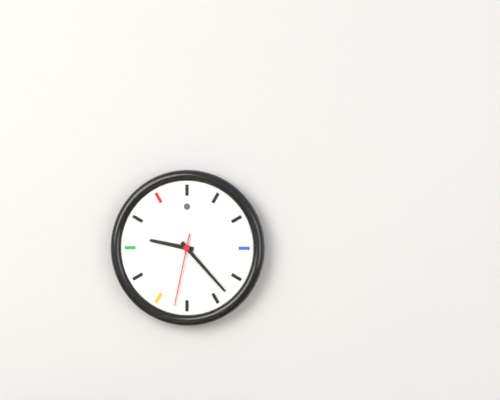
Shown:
h=9 m=23 s=32
